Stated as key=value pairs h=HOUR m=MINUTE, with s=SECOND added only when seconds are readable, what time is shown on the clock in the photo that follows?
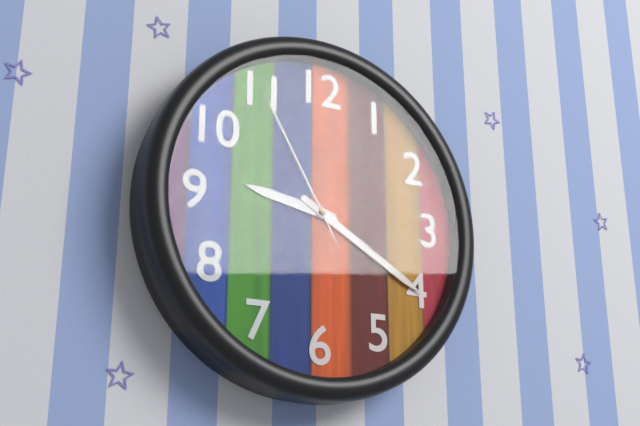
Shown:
h=9 m=20 s=55
